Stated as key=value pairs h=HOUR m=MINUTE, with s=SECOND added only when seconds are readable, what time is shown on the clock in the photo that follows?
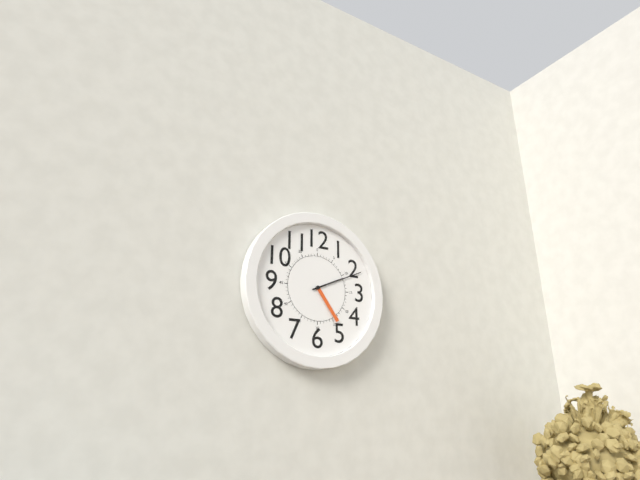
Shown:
h=2 m=11
